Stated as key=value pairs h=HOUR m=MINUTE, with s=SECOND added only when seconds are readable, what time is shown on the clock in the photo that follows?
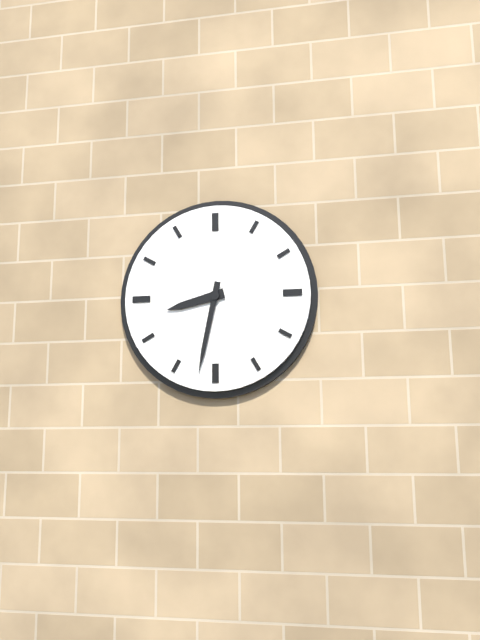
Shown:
h=8 m=32
